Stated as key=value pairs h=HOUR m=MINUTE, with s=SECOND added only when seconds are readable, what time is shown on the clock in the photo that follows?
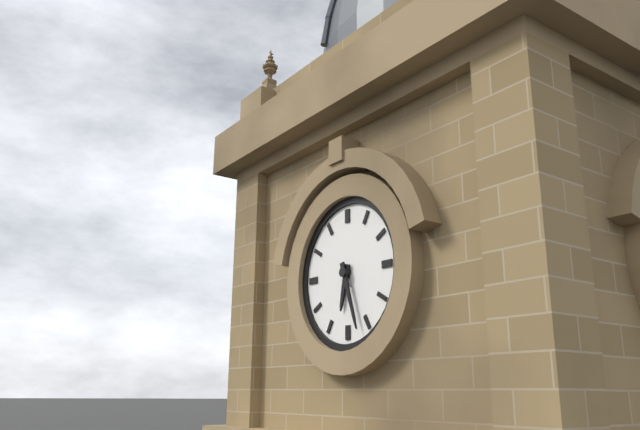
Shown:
h=6 m=27
